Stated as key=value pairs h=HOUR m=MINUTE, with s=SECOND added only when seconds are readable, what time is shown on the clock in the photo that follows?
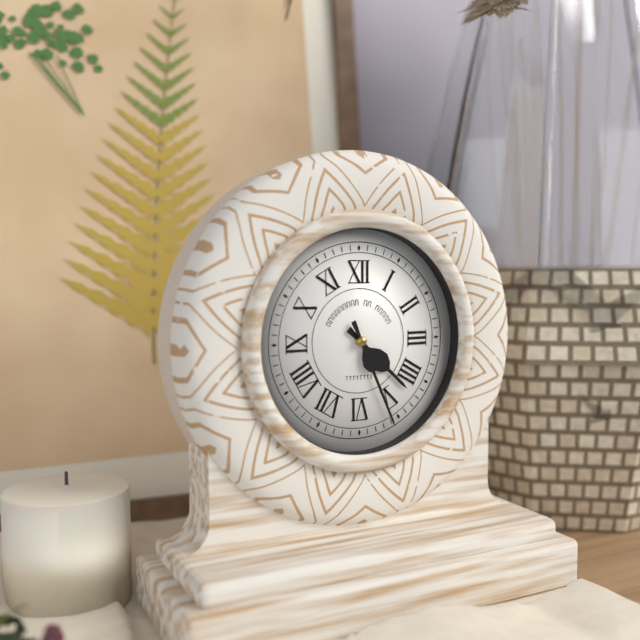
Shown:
h=4 m=26
